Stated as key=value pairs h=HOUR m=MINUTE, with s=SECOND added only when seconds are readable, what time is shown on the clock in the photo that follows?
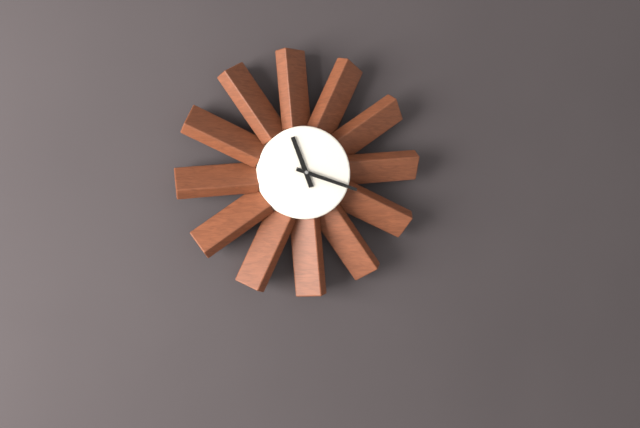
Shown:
h=11 m=18
